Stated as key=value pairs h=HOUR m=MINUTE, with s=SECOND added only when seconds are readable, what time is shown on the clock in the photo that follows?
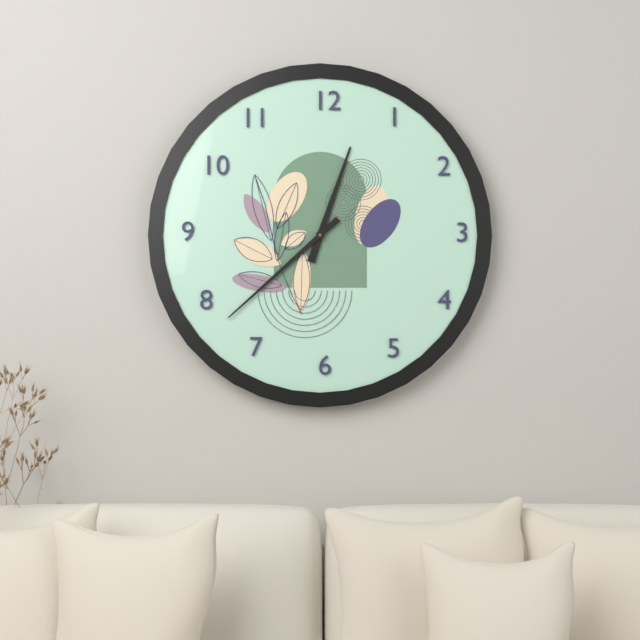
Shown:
h=12 m=38
